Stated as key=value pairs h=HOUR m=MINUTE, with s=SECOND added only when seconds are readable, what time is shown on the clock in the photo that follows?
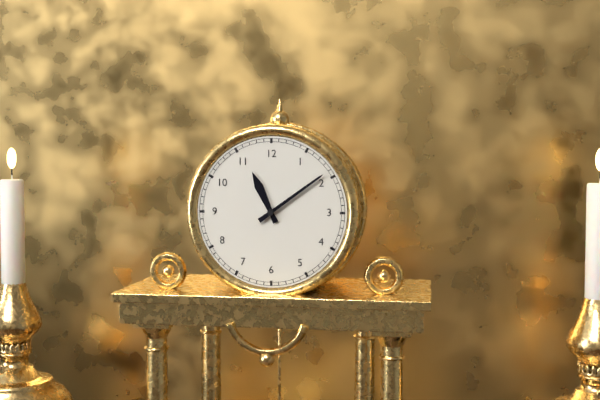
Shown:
h=11 m=9
